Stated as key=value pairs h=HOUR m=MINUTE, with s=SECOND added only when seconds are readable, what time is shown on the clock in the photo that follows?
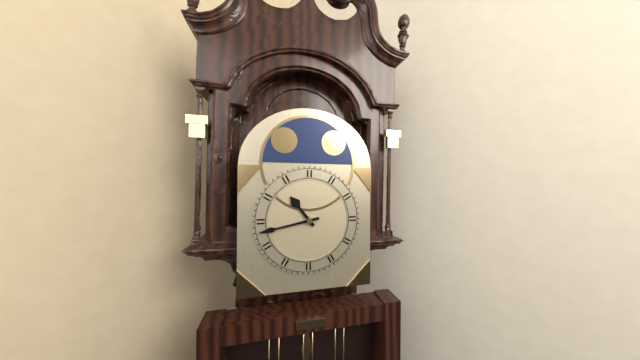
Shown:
h=10 m=43
